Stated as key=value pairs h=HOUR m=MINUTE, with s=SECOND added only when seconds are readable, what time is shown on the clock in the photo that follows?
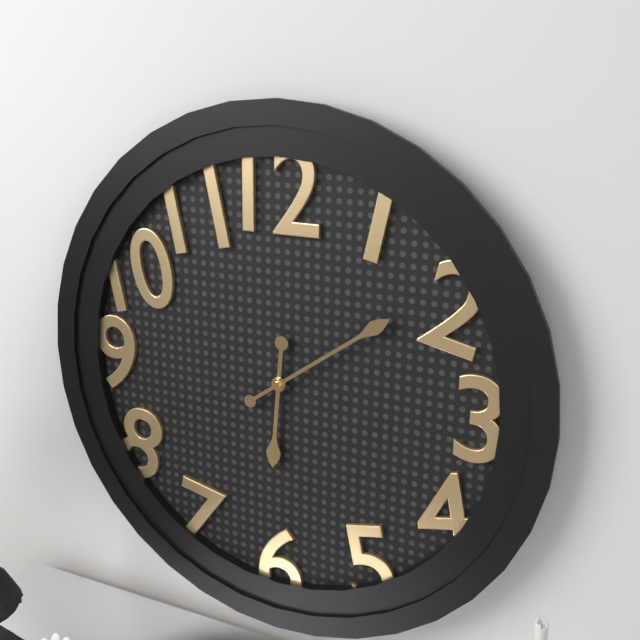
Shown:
h=6 m=9
